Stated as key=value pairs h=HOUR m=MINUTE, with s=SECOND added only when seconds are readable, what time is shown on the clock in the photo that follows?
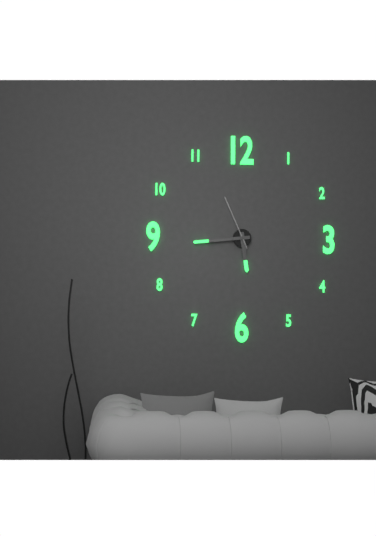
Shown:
h=5 m=44 s=56
